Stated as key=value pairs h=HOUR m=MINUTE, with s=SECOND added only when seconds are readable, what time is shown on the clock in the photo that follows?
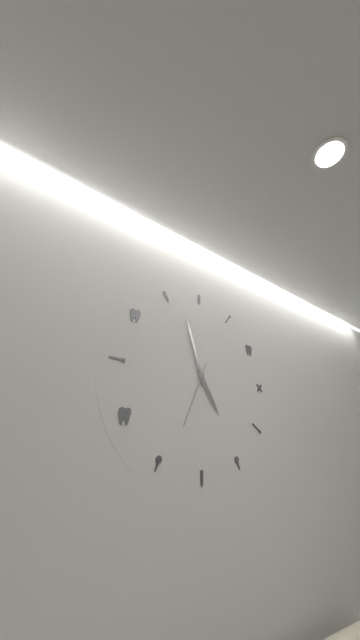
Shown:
h=4 m=57 s=34
